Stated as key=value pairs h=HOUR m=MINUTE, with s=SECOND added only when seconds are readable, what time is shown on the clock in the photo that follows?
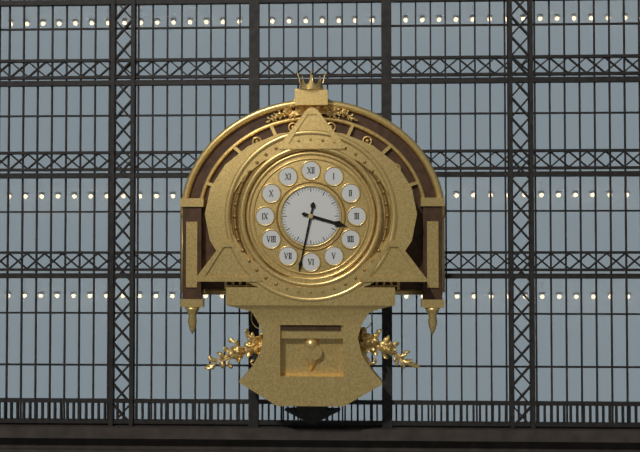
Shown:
h=3 m=32
